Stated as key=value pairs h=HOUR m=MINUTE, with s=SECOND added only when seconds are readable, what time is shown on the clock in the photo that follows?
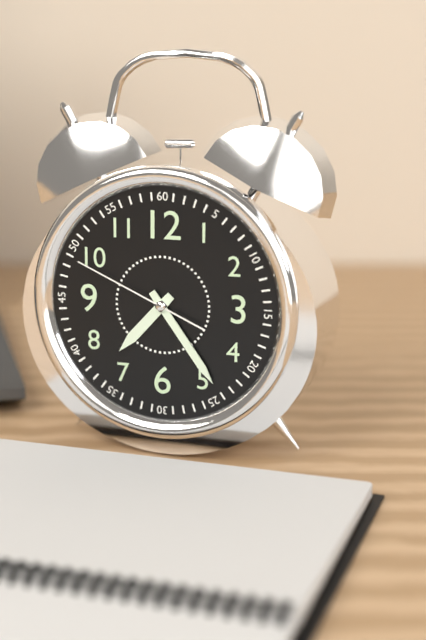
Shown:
h=7 m=24 s=49
